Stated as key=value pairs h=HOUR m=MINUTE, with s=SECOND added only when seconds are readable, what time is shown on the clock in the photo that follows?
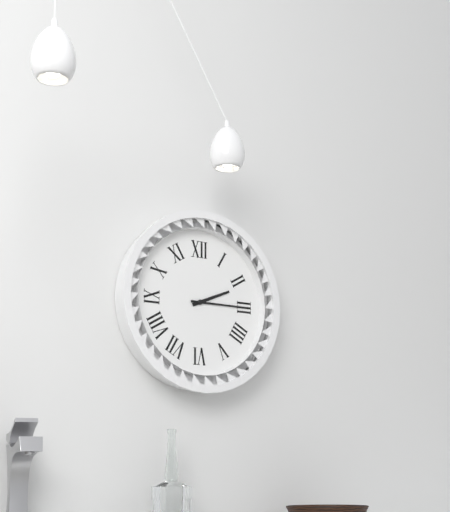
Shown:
h=2 m=15
